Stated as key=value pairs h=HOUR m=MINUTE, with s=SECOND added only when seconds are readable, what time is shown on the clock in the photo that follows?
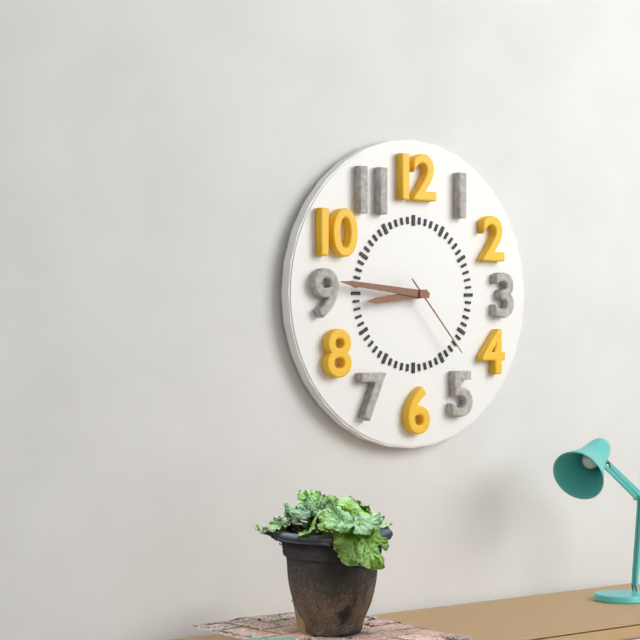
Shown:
h=8 m=46 s=23
